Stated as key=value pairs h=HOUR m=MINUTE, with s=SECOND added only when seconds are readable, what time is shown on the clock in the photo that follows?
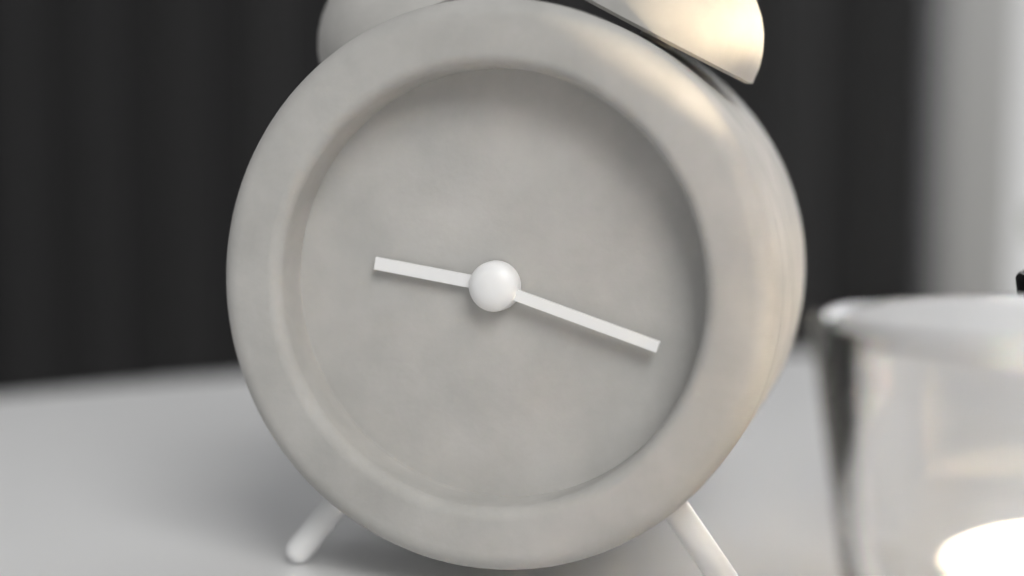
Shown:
h=9 m=18
